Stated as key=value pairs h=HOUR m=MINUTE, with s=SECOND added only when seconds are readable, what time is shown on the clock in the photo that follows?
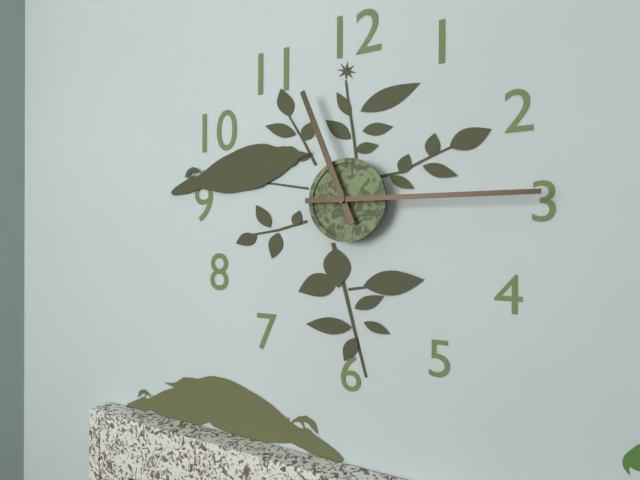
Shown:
h=11 m=15
